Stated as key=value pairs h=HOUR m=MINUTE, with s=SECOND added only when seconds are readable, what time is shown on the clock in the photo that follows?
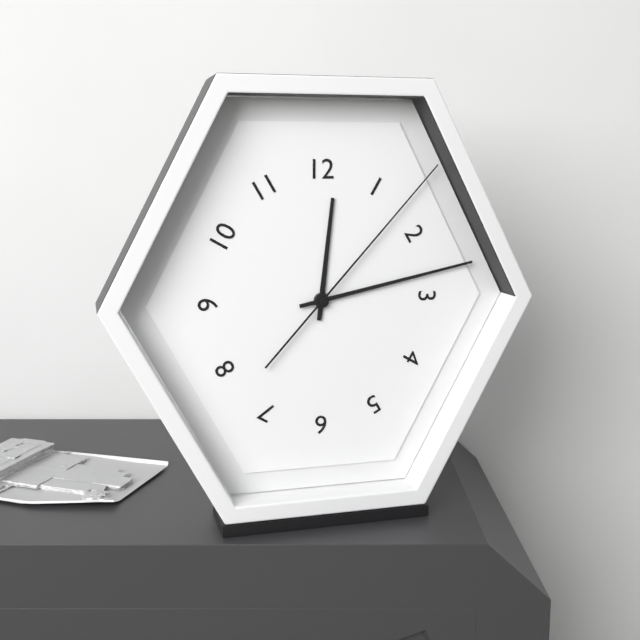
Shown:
h=12 m=13 s=7
